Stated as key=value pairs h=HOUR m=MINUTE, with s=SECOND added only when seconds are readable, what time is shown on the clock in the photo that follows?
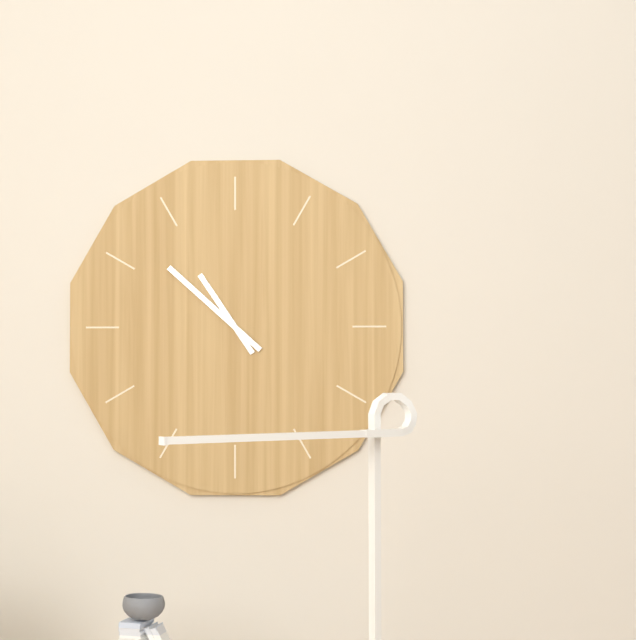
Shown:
h=10 m=52
